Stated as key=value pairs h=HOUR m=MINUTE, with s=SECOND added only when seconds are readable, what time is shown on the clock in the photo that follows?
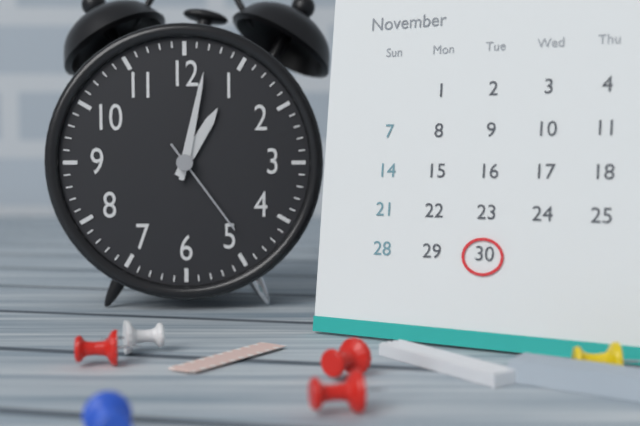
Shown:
h=1 m=2 s=24
